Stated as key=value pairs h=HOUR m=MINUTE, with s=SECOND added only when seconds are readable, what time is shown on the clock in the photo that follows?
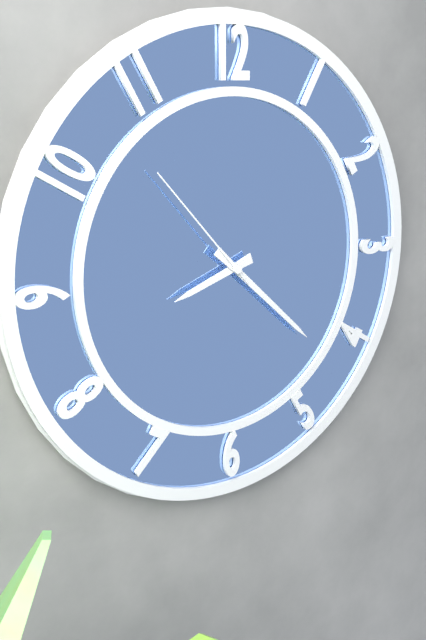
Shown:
h=8 m=22 s=53
